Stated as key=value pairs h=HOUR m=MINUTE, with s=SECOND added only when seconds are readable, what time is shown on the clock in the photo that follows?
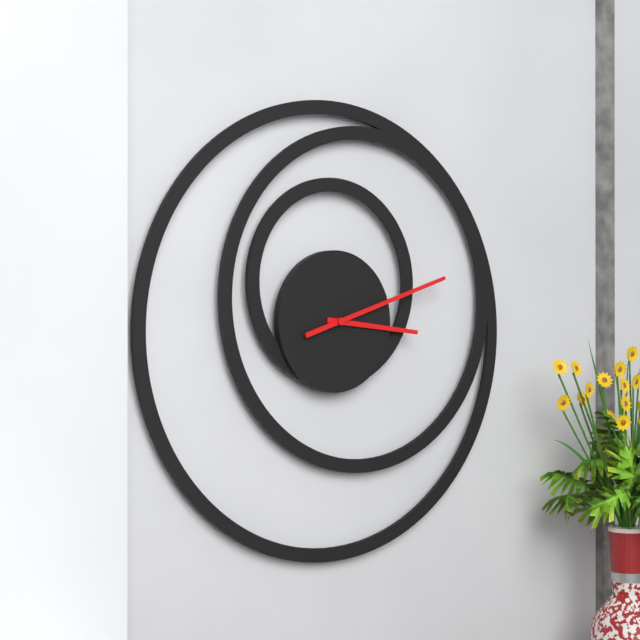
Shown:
h=3 m=12
